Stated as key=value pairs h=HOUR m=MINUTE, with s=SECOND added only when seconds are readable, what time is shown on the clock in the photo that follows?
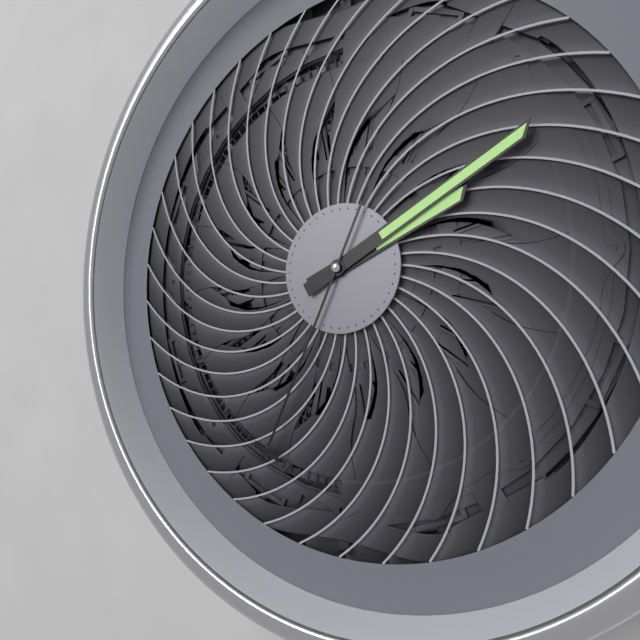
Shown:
h=2 m=10 s=34
